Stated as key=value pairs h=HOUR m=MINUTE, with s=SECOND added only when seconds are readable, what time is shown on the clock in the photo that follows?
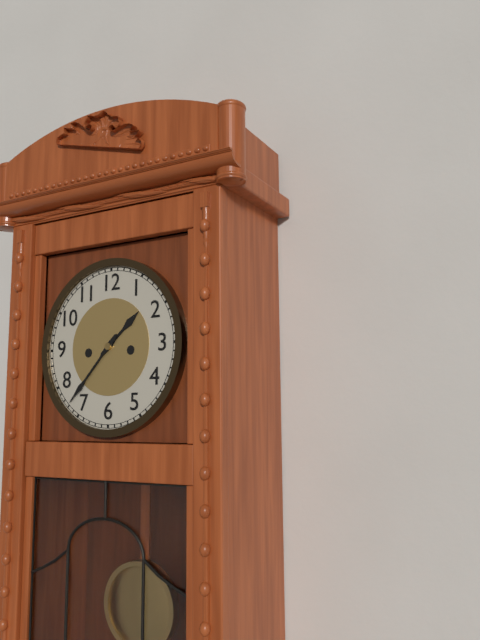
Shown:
h=1 m=37
